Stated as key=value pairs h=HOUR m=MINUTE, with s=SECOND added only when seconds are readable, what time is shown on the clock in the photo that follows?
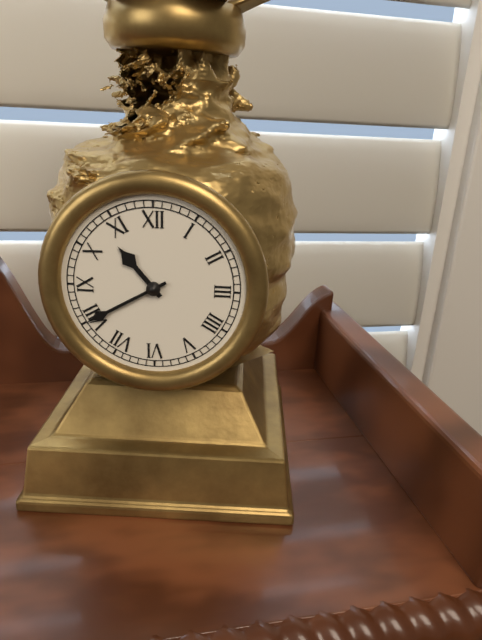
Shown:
h=10 m=40
